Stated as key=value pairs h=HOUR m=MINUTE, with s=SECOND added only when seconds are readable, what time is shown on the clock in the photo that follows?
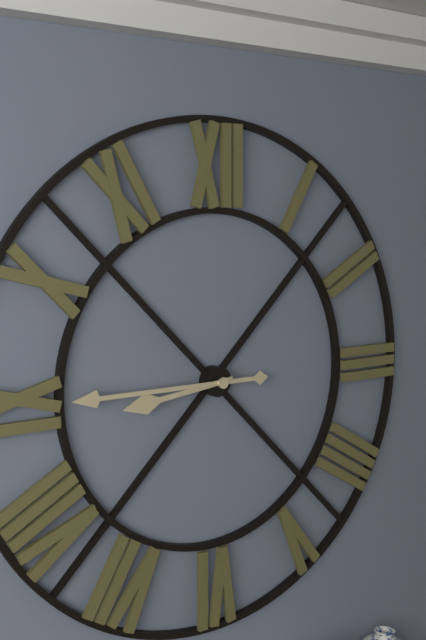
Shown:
h=8 m=45
